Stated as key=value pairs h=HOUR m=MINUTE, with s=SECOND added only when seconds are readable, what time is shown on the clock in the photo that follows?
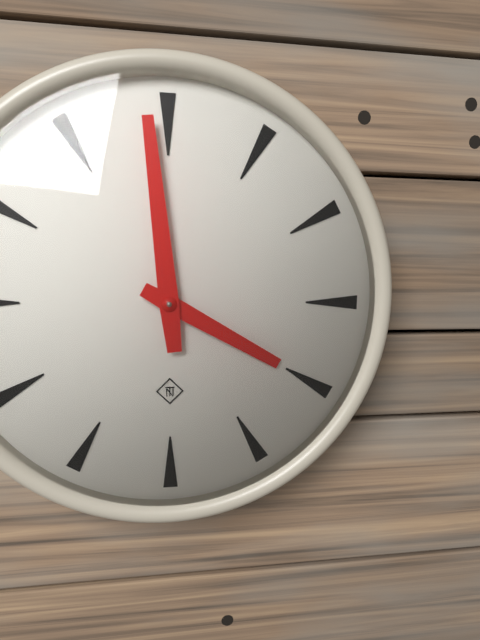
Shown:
h=3 m=59
